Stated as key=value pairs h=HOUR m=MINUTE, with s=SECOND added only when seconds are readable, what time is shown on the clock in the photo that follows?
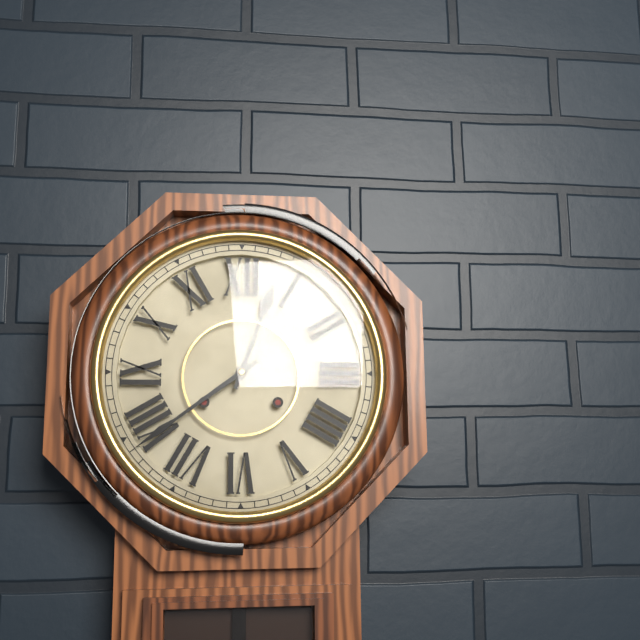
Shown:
h=12 m=39
